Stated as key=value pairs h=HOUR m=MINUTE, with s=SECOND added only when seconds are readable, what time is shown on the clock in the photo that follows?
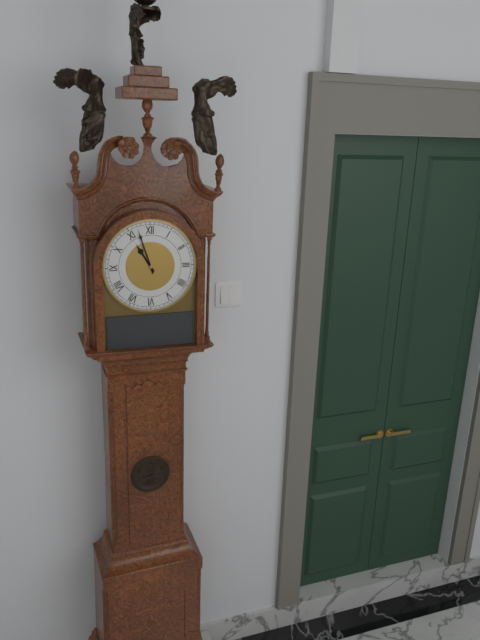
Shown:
h=10 m=57
